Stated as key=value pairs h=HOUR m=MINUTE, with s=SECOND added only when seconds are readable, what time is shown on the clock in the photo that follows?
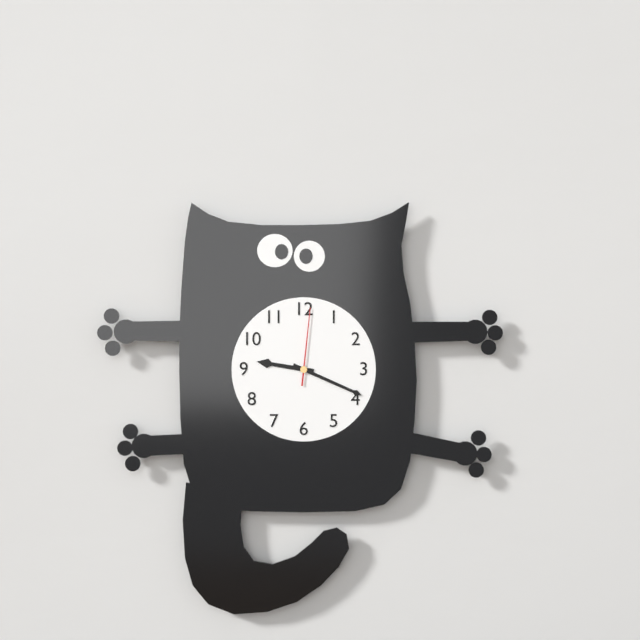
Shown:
h=9 m=19 s=1
